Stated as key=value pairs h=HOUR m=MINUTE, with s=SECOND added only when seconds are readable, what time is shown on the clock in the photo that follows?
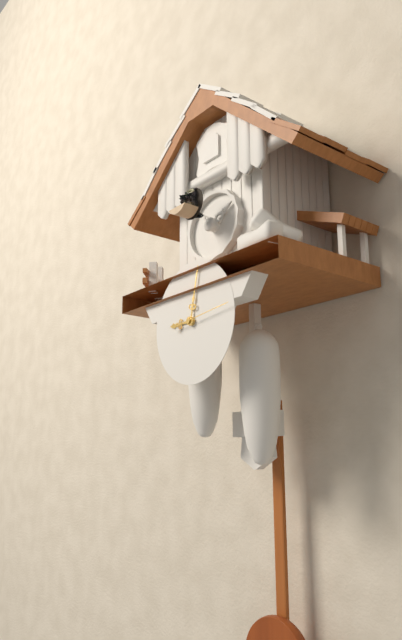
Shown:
h=9 m=2
